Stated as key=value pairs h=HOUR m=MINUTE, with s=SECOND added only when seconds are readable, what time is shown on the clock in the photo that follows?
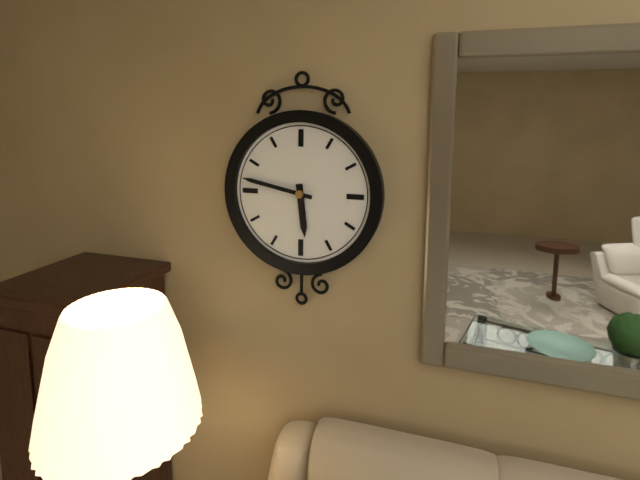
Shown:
h=5 m=47
